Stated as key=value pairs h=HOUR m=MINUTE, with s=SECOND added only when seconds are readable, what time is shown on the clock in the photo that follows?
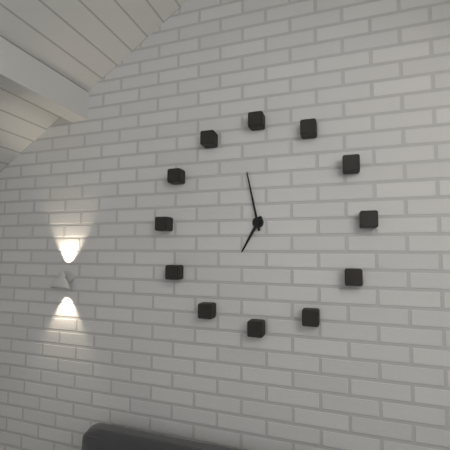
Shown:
h=6 m=58
